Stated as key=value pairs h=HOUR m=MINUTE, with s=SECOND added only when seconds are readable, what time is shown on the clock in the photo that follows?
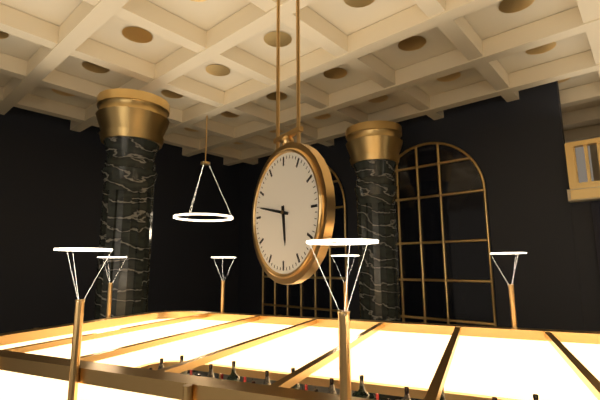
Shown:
h=5 m=47
